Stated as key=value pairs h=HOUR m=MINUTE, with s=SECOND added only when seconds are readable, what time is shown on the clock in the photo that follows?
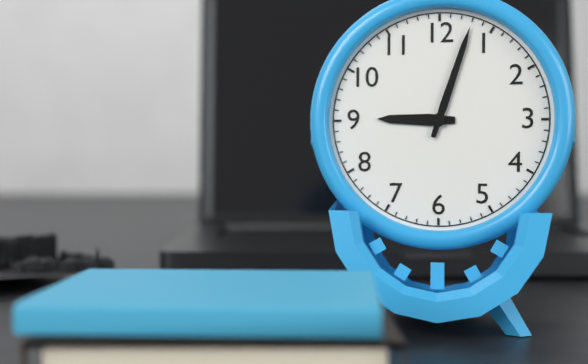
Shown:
h=9 m=3
